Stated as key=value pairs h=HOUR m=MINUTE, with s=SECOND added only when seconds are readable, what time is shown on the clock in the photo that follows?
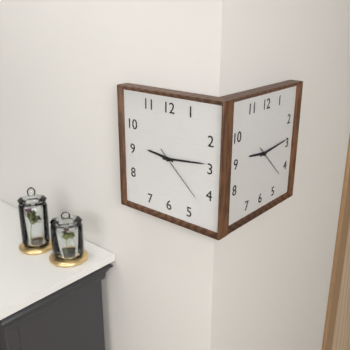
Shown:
h=9 m=14 s=22
